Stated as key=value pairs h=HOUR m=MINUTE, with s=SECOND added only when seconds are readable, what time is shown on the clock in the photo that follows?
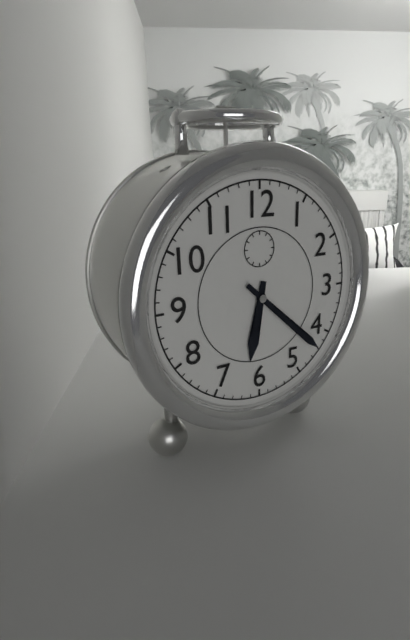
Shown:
h=6 m=22
